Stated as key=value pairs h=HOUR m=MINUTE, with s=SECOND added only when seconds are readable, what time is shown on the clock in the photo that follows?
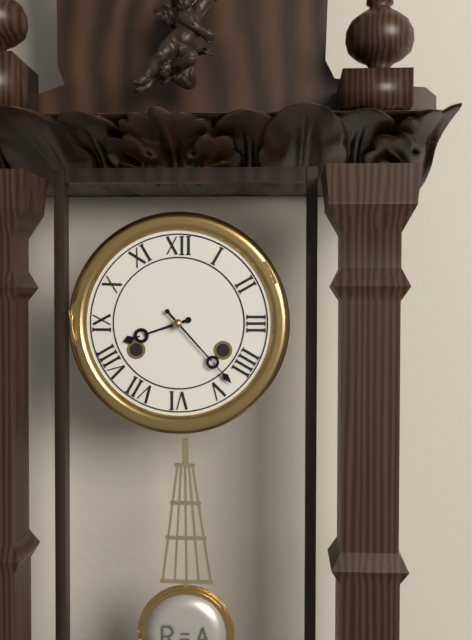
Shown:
h=8 m=23
